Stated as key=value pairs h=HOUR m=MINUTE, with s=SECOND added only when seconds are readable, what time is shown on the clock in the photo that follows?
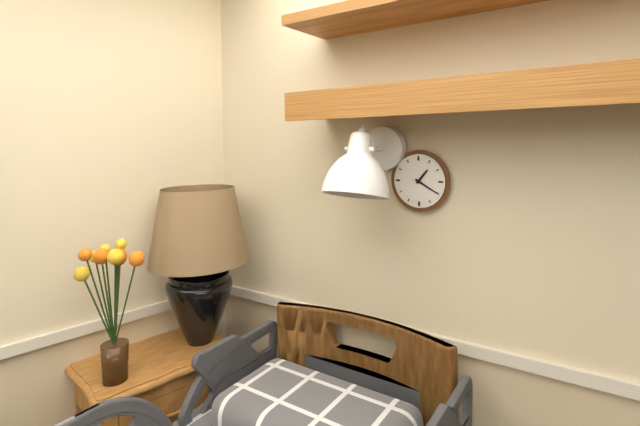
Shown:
h=1 m=20
